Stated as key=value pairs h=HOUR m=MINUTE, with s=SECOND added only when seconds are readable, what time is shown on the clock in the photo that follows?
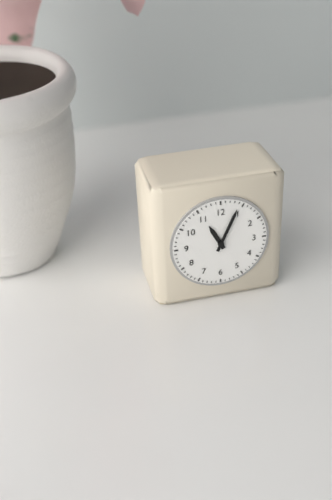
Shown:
h=11 m=4
